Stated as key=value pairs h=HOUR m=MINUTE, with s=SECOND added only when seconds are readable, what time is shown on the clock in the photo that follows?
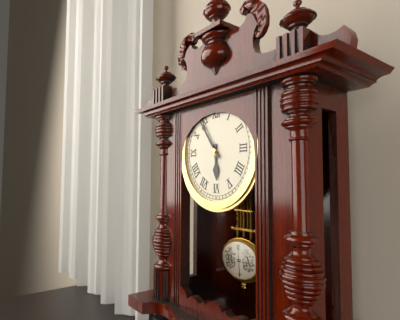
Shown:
h=5 m=54
